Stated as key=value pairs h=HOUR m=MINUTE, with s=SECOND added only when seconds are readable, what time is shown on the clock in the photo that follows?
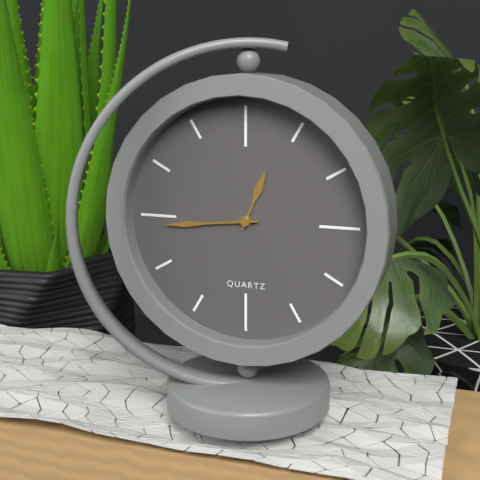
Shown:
h=12 m=44
